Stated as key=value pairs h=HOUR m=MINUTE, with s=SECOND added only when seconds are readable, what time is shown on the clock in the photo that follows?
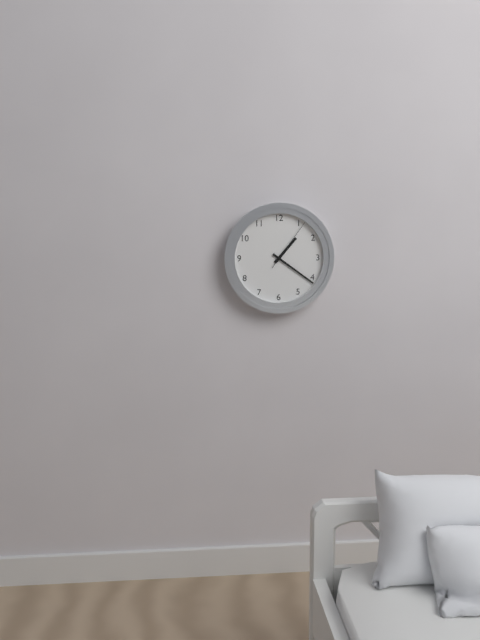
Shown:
h=1 m=21 s=6
